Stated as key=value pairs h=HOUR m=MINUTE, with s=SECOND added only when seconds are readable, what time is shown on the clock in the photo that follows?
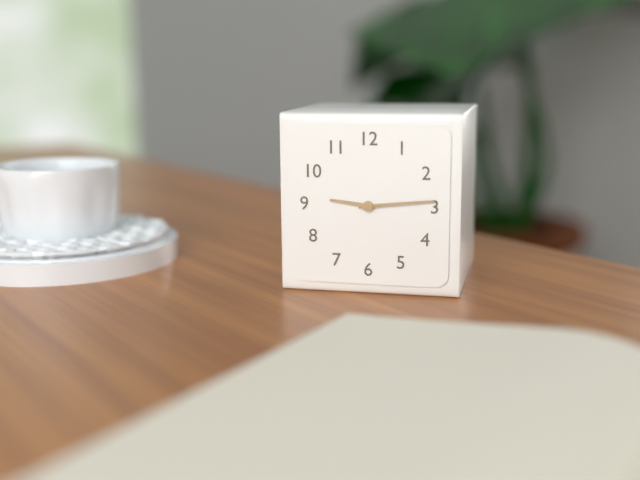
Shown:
h=9 m=14
